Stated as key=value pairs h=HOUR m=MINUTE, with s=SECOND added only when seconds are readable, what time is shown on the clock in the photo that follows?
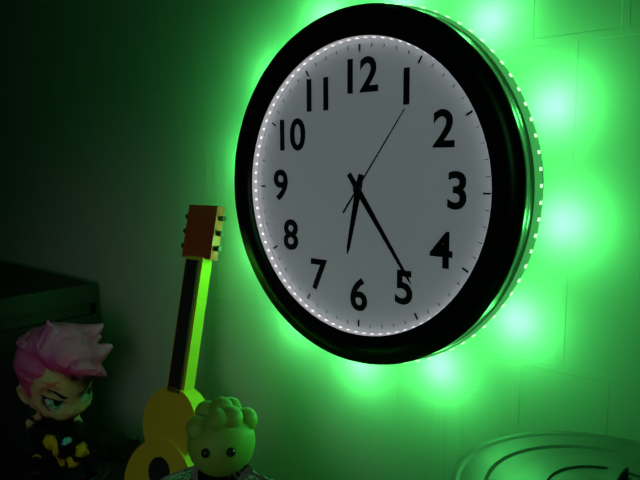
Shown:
h=6 m=24 s=6
